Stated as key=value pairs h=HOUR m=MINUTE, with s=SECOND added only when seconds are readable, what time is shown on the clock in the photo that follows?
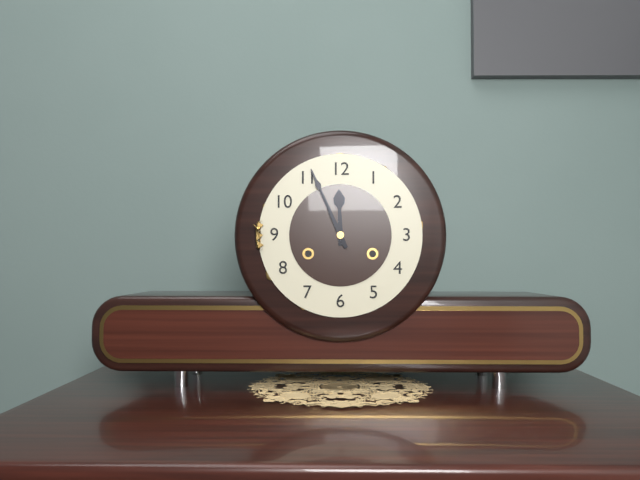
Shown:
h=11 m=56
